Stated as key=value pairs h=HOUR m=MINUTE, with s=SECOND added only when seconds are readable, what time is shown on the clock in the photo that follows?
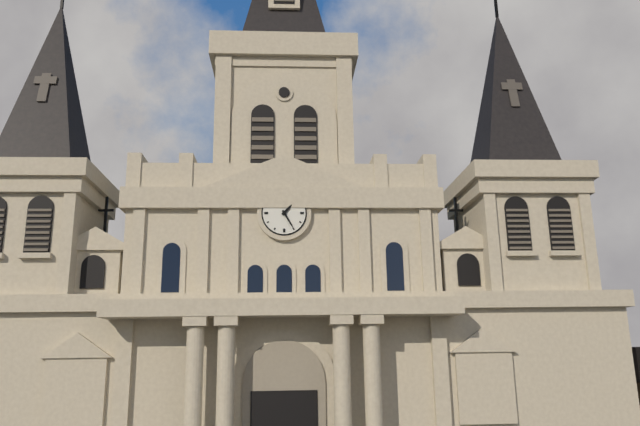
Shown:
h=1 m=25
